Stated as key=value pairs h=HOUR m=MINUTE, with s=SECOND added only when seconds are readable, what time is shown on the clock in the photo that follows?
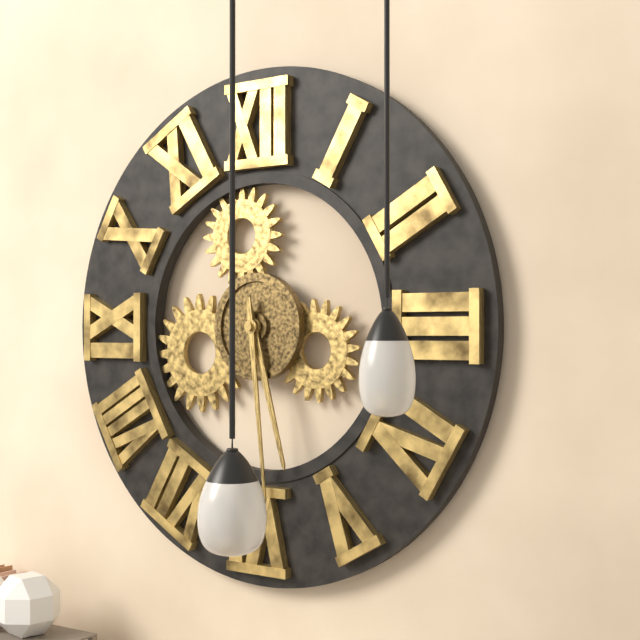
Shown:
h=5 m=29
